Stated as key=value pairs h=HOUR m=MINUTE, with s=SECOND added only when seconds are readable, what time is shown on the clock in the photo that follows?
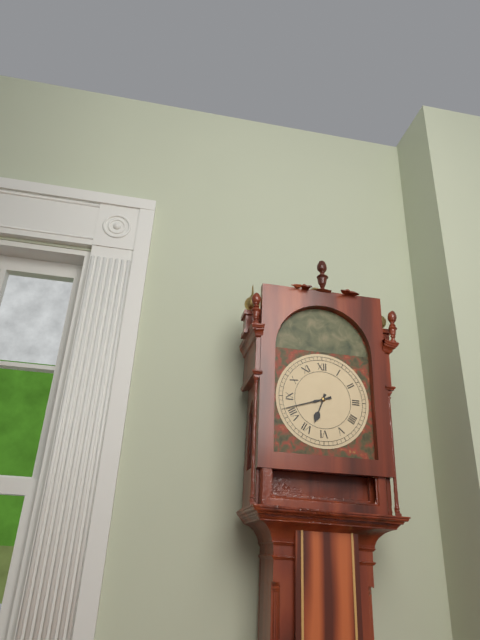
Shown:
h=6 m=42
